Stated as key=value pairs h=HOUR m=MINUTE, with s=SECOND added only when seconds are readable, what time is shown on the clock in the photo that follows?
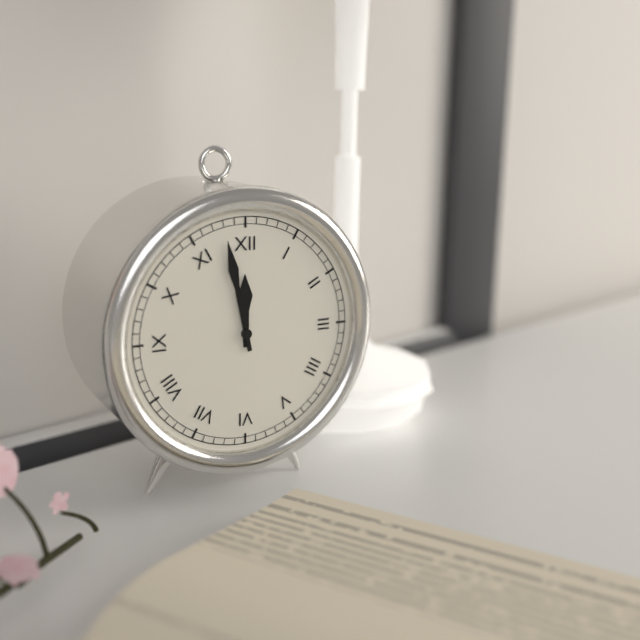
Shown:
h=11 m=58
